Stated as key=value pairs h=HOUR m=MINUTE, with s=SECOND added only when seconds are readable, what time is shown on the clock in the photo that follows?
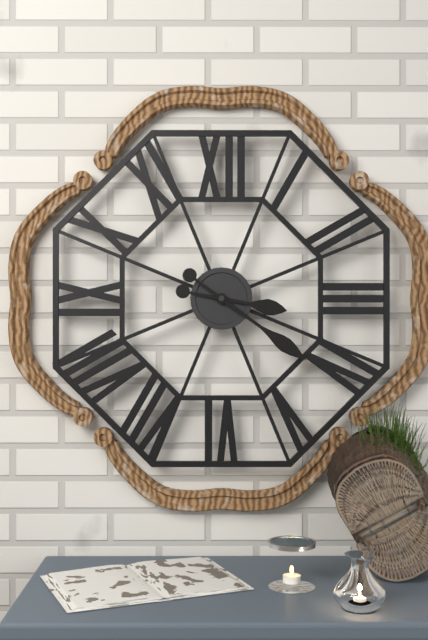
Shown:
h=3 m=21
